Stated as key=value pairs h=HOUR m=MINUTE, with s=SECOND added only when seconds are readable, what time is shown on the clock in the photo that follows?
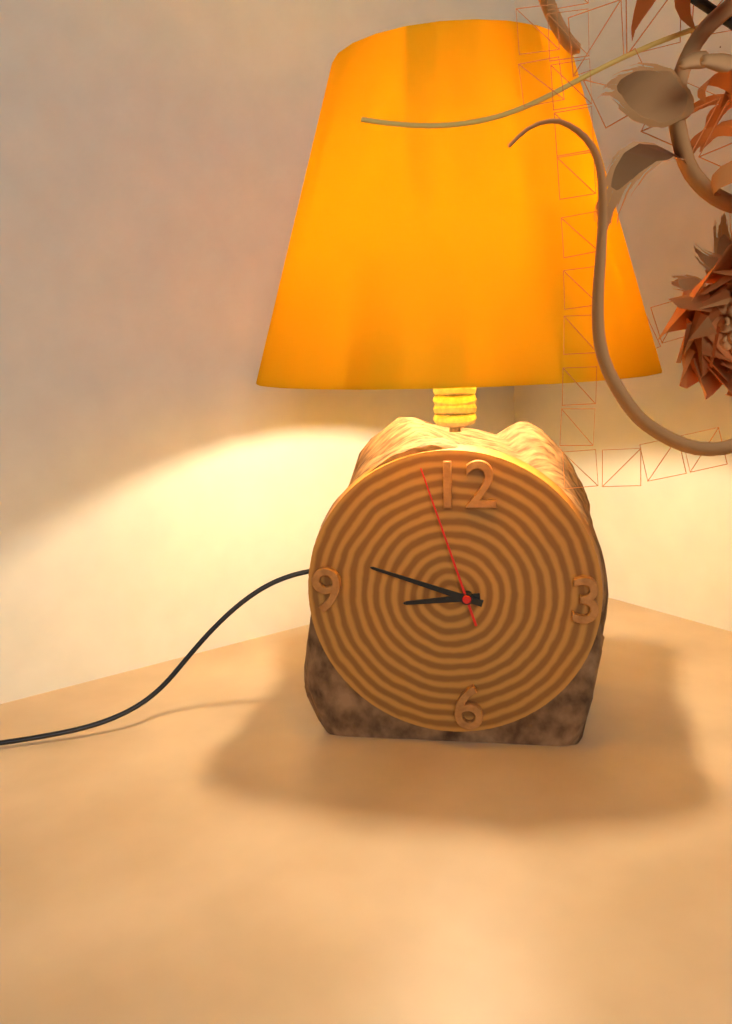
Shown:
h=8 m=48 s=57
